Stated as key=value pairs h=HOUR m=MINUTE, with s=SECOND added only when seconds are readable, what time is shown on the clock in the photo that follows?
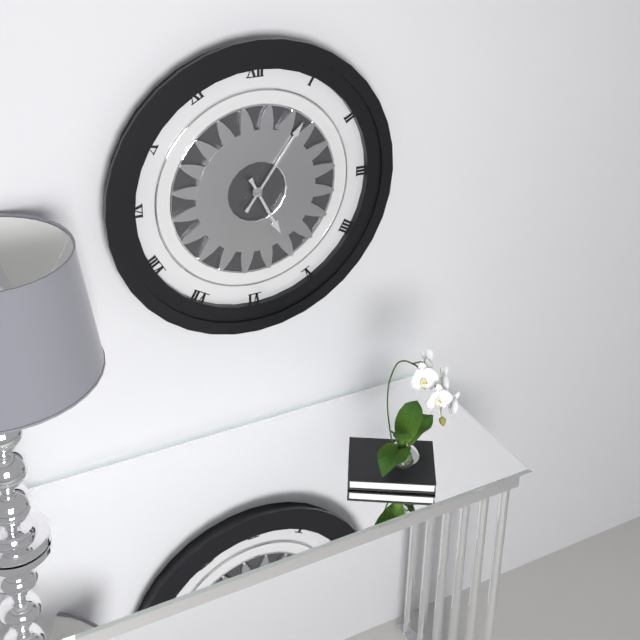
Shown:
h=5 m=6
